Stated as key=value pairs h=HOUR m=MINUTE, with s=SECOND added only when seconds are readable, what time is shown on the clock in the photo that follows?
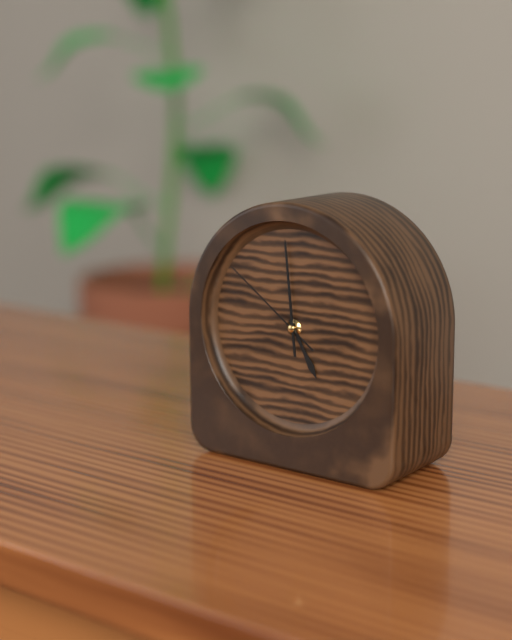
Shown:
h=4 m=59 s=51
